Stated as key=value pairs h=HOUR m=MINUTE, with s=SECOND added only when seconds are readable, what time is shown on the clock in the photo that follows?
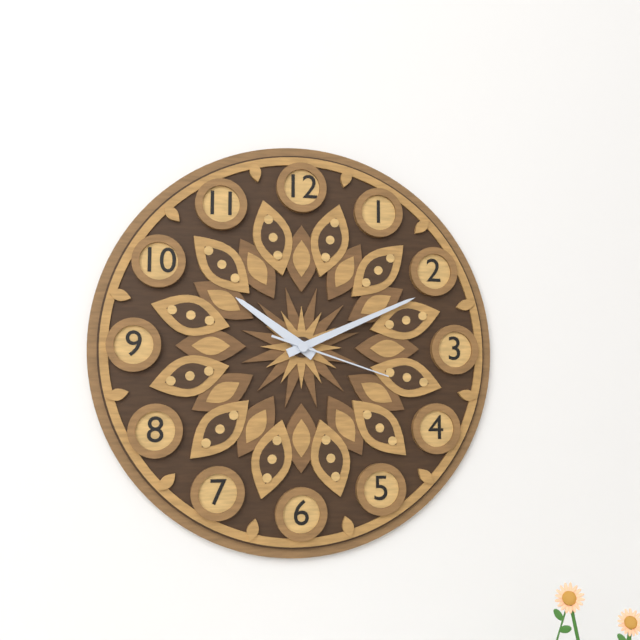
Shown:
h=10 m=11 s=18
